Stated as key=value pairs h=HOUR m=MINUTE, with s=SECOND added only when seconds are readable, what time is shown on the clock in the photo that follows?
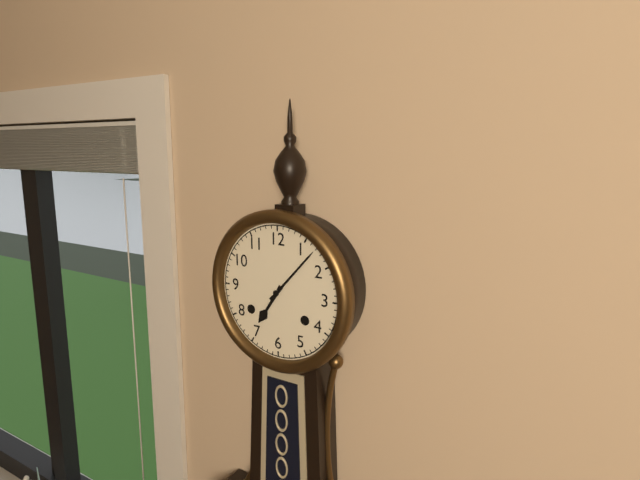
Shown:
h=7 m=7
